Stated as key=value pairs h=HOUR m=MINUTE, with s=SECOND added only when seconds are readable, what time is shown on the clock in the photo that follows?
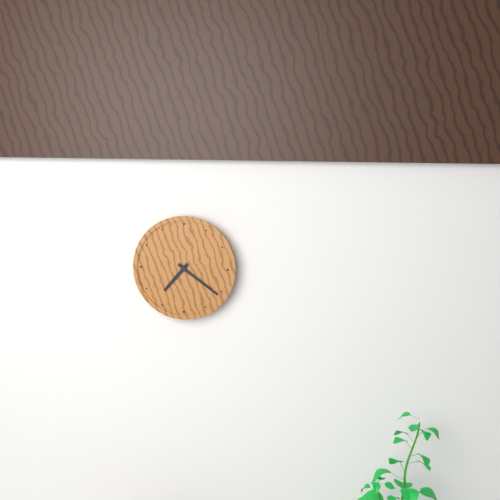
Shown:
h=7 m=21
